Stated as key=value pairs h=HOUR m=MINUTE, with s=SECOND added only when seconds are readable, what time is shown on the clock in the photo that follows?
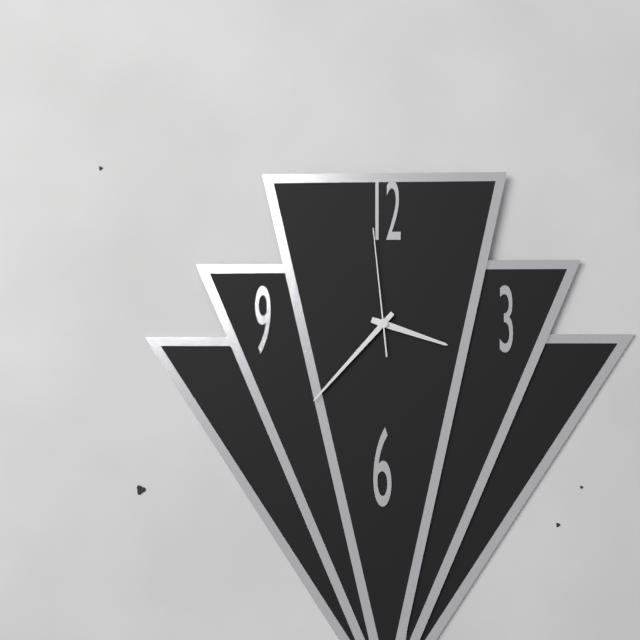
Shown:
h=3 m=37 s=59
